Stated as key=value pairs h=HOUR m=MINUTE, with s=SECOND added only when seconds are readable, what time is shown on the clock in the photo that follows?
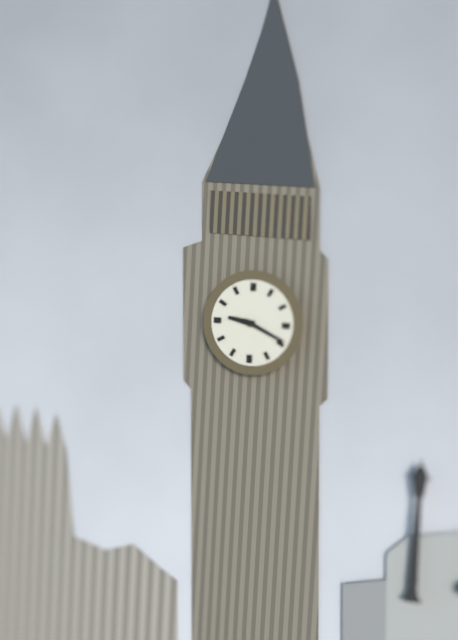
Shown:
h=9 m=19
